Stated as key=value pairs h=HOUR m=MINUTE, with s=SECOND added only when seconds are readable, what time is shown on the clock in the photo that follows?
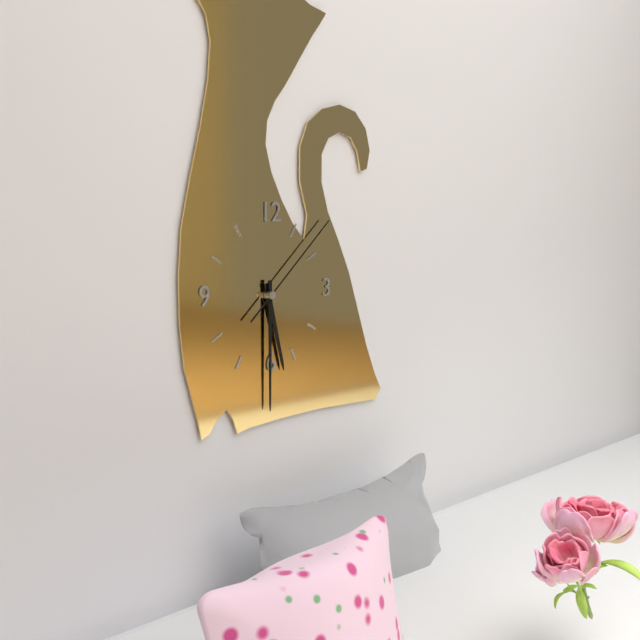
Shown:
h=5 m=30 s=8
